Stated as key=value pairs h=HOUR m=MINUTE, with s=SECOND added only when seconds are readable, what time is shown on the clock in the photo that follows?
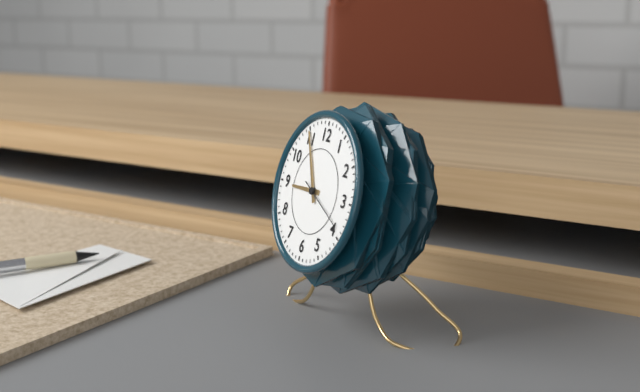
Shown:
h=8 m=55
